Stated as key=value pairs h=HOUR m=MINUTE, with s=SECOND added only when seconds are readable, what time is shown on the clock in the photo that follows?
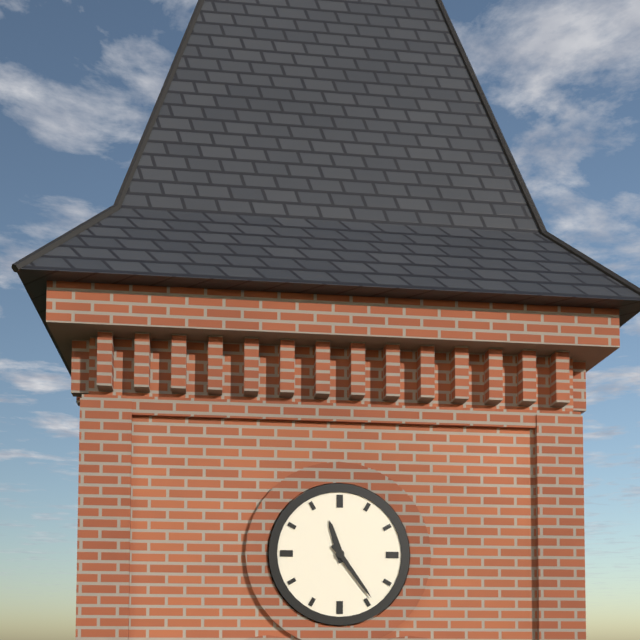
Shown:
h=11 m=24
